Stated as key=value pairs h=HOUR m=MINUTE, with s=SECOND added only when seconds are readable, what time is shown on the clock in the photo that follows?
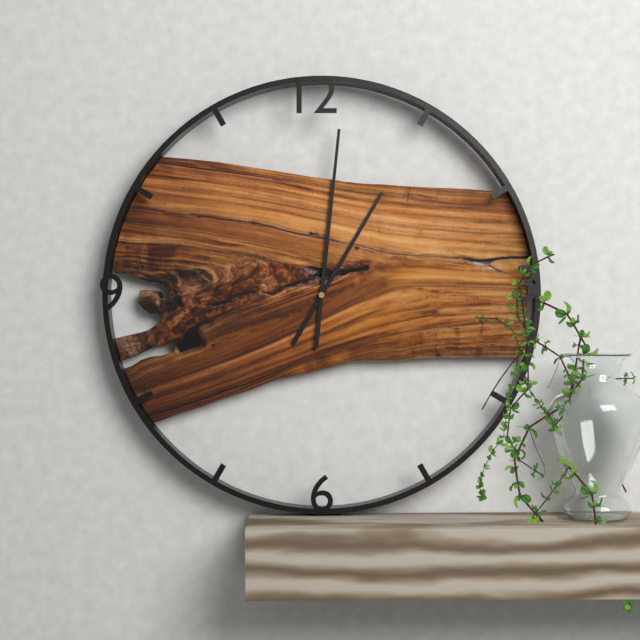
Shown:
h=1 m=1
